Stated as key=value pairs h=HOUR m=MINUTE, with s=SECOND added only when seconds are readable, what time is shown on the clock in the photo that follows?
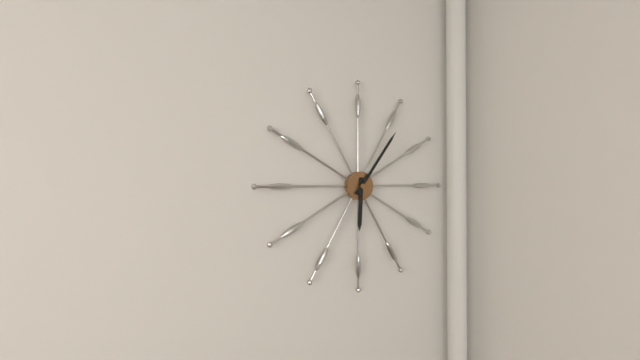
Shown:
h=6 m=6
